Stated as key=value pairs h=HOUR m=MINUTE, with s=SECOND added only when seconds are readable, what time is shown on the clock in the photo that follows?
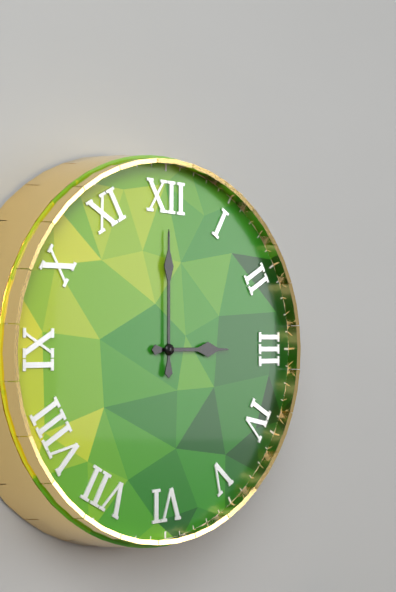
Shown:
h=3 m=0
